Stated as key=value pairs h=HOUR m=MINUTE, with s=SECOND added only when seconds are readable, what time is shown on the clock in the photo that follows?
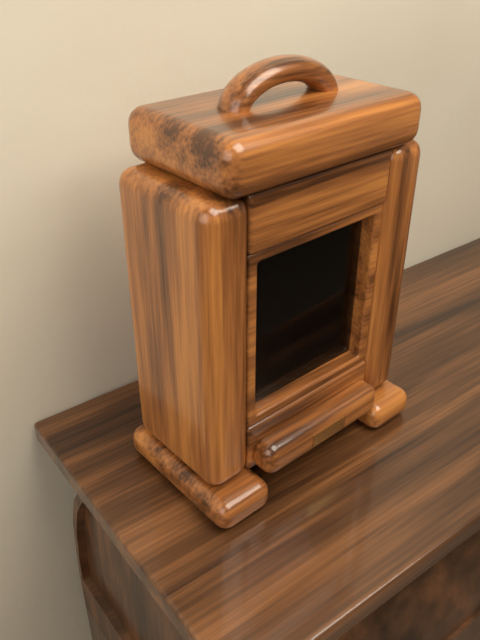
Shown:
h=10 m=39 s=50
